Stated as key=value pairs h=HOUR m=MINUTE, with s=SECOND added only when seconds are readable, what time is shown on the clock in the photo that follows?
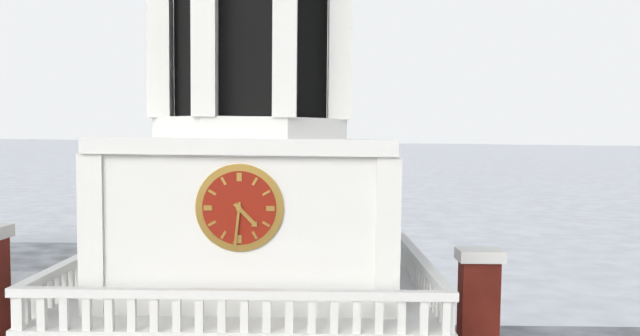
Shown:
h=4 m=31
